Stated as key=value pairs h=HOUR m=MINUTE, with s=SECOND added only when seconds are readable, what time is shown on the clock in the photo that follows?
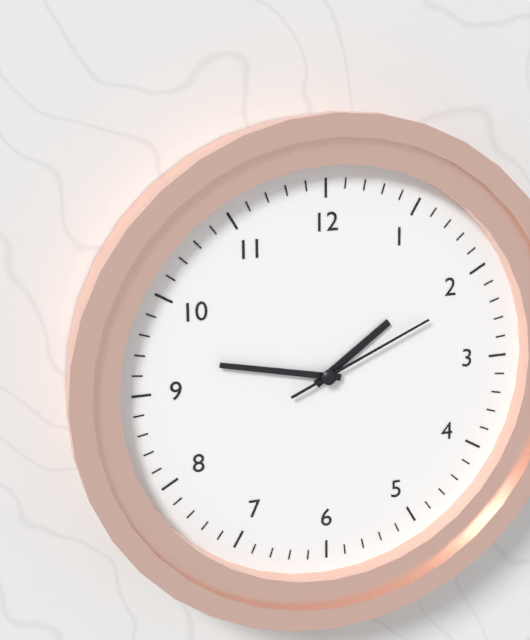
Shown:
h=1 m=47 s=11
